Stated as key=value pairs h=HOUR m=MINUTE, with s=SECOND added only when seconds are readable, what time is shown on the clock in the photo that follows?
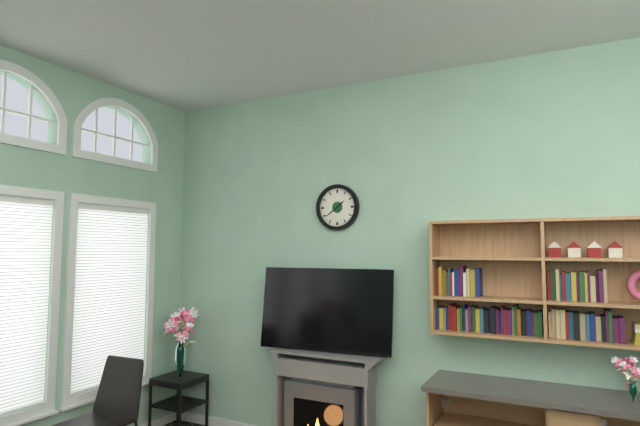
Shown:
h=1 m=39
